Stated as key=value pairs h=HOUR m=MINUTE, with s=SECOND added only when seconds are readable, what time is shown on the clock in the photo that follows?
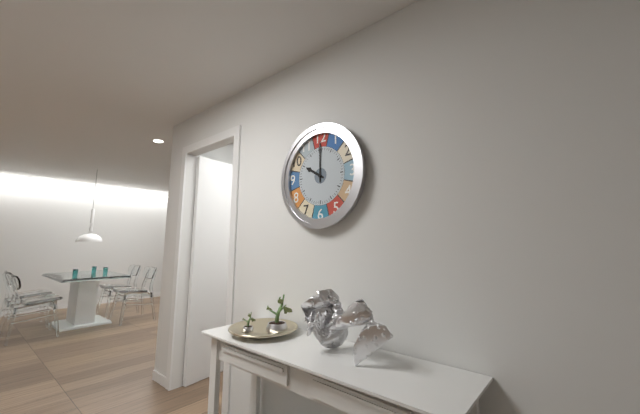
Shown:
h=10 m=0
